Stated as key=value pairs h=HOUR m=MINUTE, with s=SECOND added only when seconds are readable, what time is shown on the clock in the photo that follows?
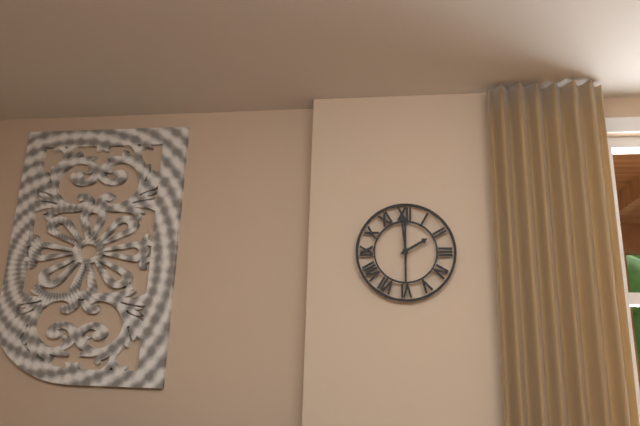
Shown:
h=1 m=59
